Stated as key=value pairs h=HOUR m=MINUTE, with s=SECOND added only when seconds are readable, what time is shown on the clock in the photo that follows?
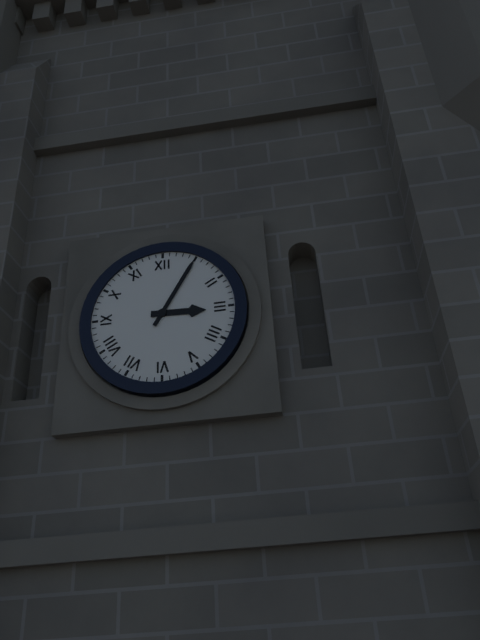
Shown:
h=3 m=5
